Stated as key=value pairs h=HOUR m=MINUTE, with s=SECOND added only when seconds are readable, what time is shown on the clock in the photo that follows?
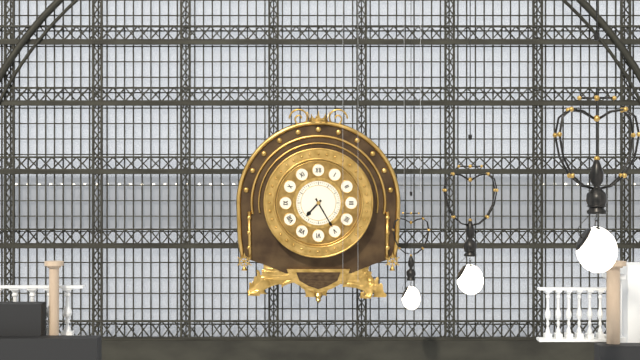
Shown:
h=7 m=25
